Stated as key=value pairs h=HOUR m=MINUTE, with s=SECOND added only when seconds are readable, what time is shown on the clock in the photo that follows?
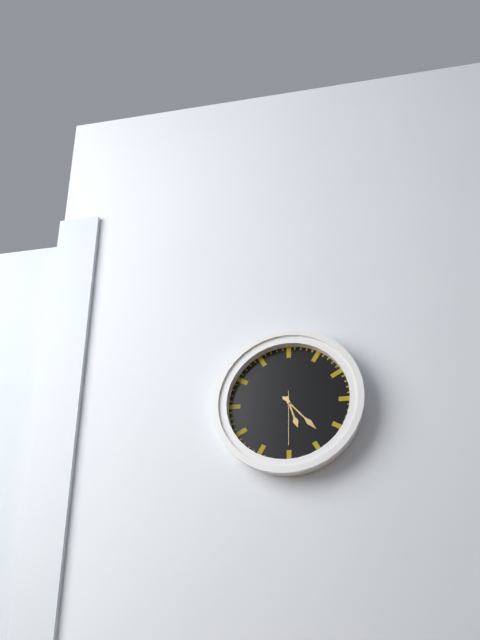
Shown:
h=5 m=23 s=30
